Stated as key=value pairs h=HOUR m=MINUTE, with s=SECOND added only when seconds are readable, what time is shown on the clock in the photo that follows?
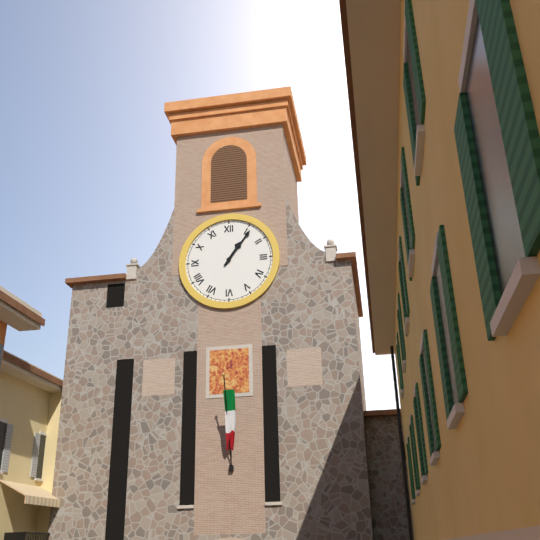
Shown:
h=1 m=6
